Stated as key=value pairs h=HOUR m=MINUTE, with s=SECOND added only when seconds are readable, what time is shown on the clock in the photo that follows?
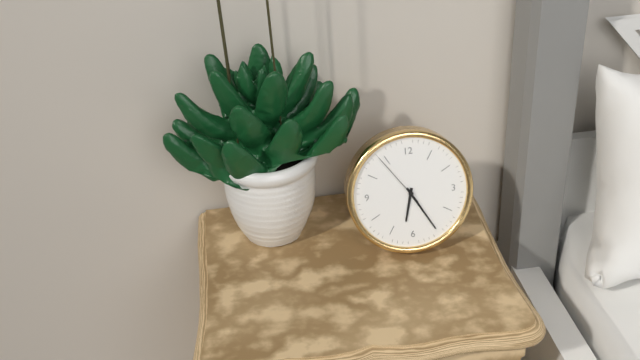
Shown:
h=6 m=25 s=54
